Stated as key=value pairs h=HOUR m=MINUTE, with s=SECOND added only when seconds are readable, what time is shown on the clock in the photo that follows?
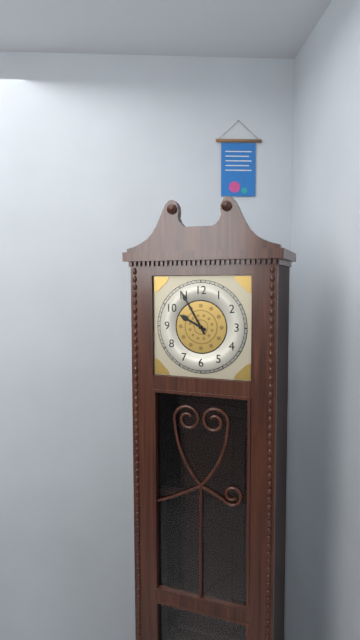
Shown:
h=9 m=55
